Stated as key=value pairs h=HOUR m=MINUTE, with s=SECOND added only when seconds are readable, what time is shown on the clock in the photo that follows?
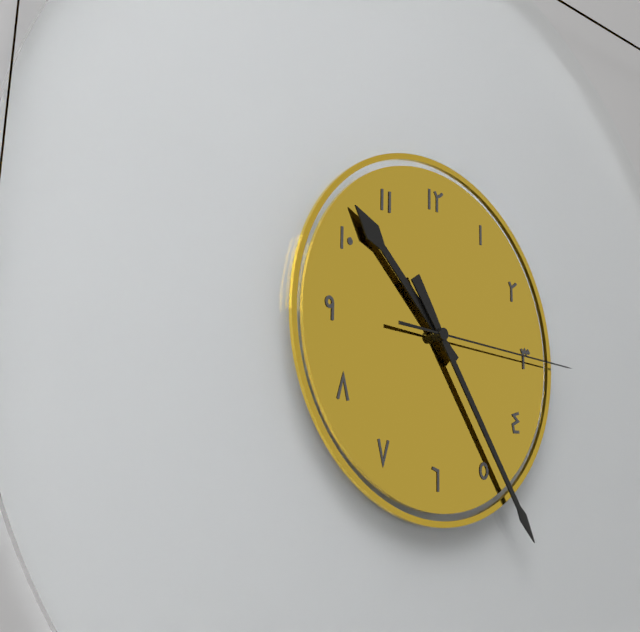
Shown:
h=10 m=24 s=15
